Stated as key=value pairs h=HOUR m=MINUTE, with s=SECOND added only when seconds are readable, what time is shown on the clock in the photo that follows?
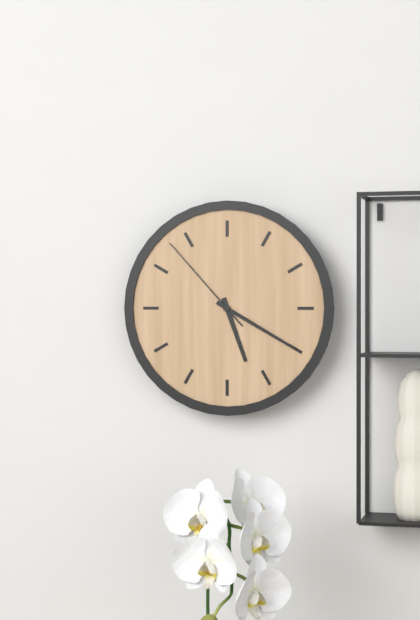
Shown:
h=5 m=20 s=53
